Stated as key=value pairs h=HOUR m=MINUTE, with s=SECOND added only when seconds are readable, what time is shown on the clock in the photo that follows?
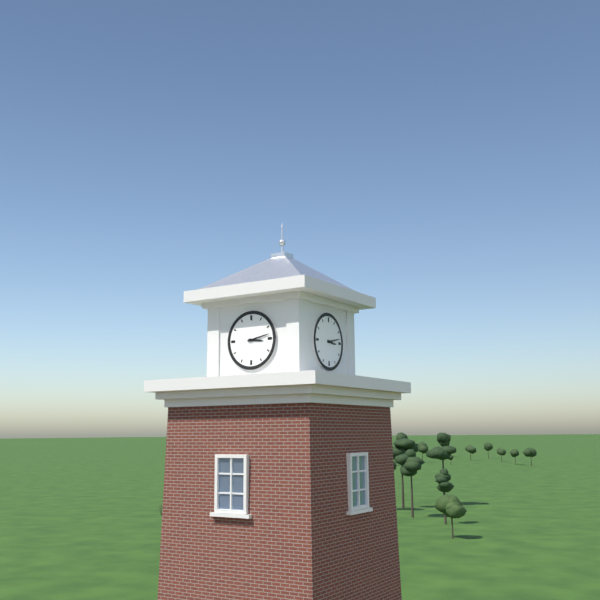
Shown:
h=3 m=13
